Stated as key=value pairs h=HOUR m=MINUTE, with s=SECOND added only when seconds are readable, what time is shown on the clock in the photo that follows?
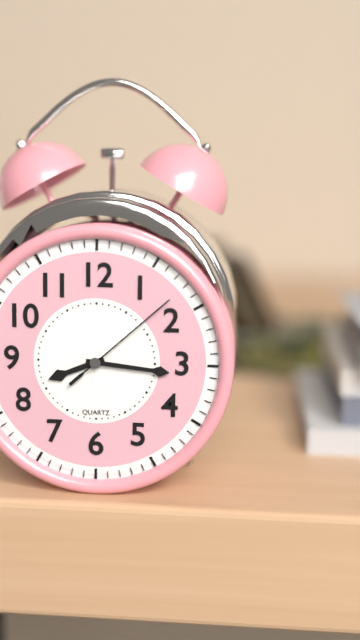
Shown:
h=8 m=16 s=8
